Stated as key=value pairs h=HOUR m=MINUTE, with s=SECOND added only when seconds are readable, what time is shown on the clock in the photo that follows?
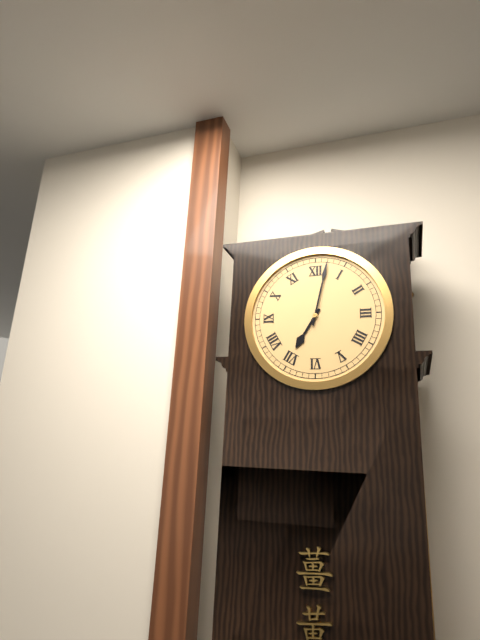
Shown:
h=7 m=2
